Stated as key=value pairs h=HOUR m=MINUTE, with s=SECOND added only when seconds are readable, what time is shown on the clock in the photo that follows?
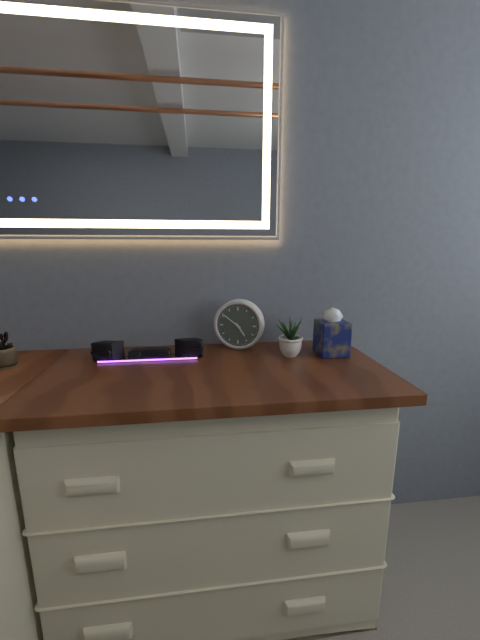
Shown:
h=4 m=51
